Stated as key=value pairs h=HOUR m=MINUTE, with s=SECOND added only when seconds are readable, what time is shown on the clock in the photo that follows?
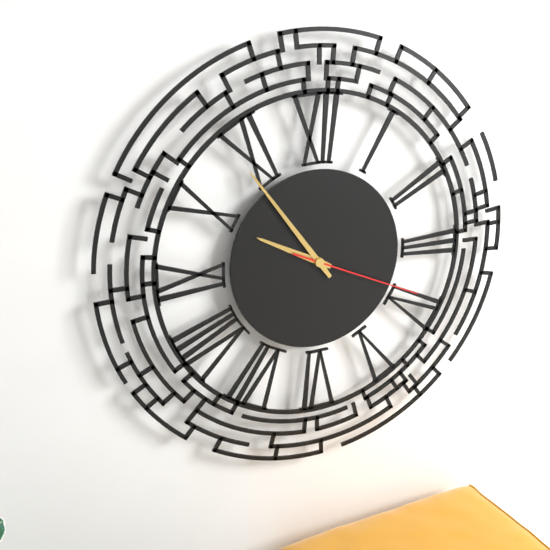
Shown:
h=9 m=54 s=19
